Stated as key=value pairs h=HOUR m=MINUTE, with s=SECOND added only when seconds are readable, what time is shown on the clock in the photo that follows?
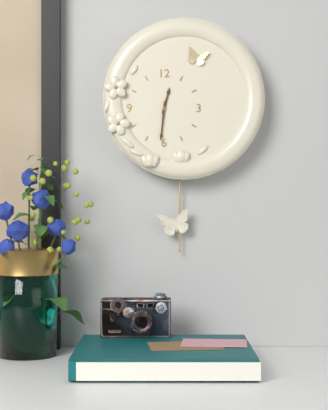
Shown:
h=12 m=31
